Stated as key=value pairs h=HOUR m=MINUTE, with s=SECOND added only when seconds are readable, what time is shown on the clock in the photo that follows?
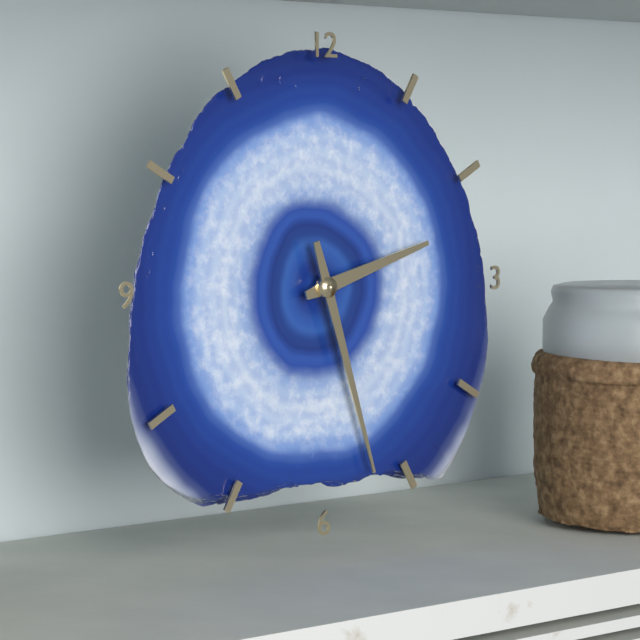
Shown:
h=2 m=27
